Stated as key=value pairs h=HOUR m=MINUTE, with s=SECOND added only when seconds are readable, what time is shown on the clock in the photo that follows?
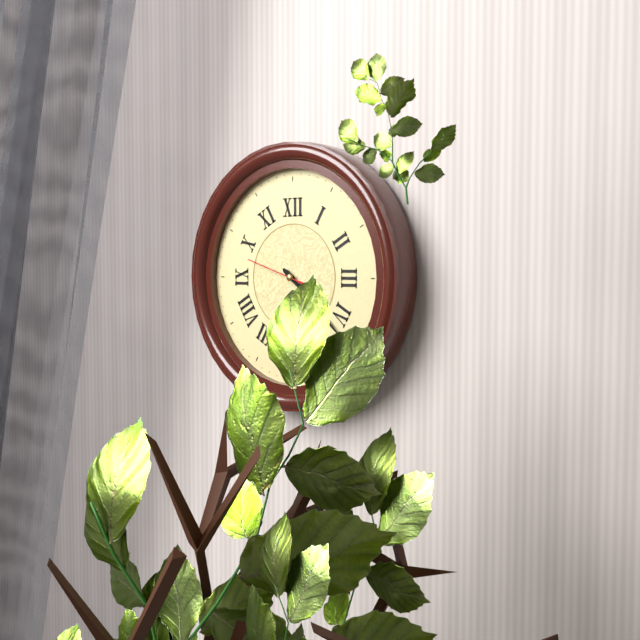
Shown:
h=4 m=22 s=48
